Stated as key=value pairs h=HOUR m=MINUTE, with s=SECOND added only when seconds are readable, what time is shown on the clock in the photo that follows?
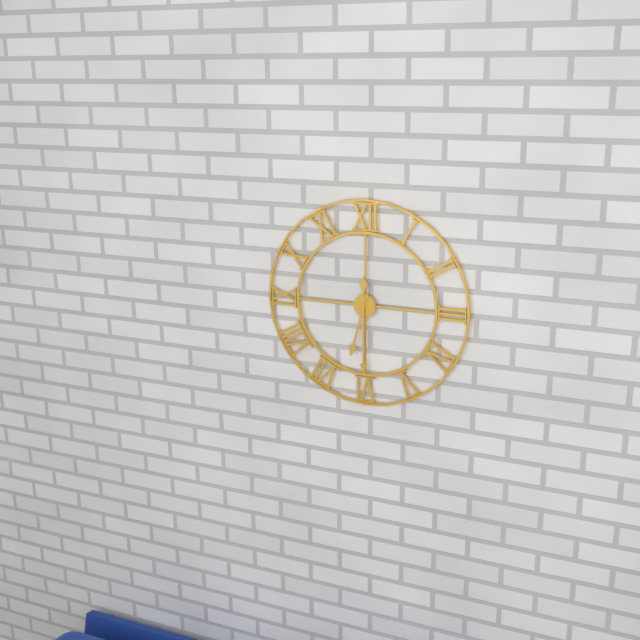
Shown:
h=6 m=30
